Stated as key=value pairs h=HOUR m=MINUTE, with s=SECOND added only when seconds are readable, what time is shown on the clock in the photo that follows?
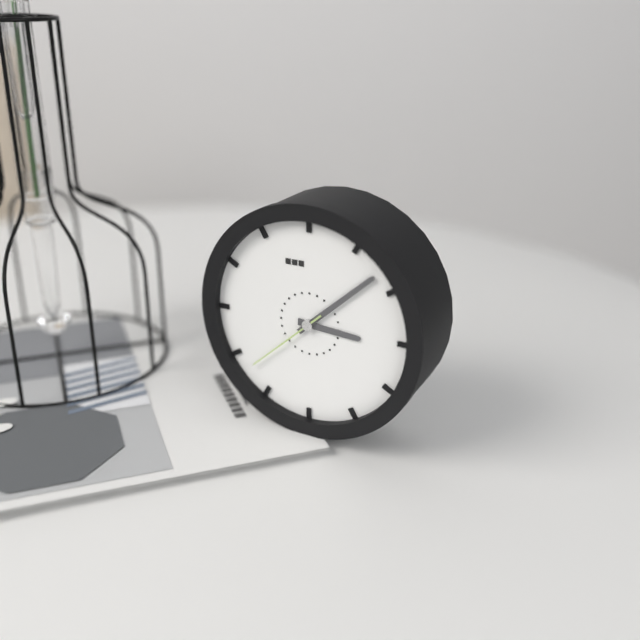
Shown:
h=3 m=8 s=38
